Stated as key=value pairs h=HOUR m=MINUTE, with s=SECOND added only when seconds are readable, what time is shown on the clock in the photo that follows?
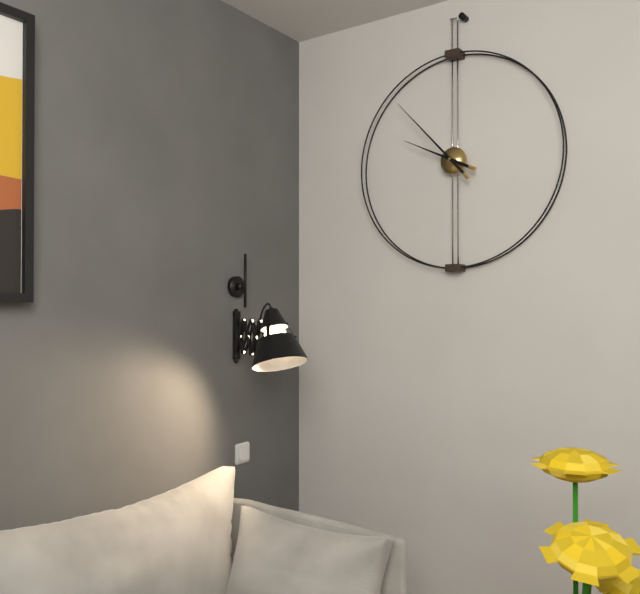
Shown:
h=9 m=53
